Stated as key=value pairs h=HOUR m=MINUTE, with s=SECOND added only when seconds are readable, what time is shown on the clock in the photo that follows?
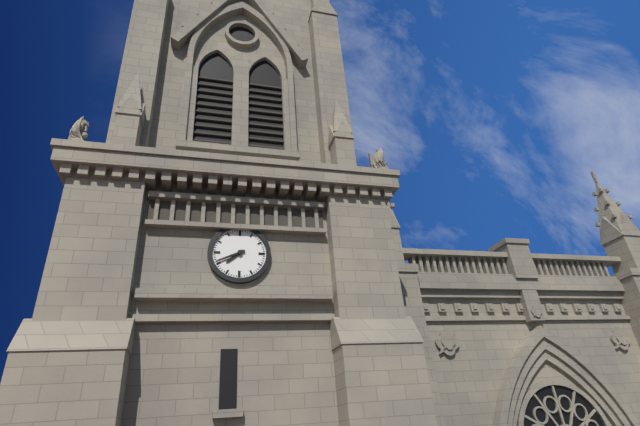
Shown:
h=7 m=41
